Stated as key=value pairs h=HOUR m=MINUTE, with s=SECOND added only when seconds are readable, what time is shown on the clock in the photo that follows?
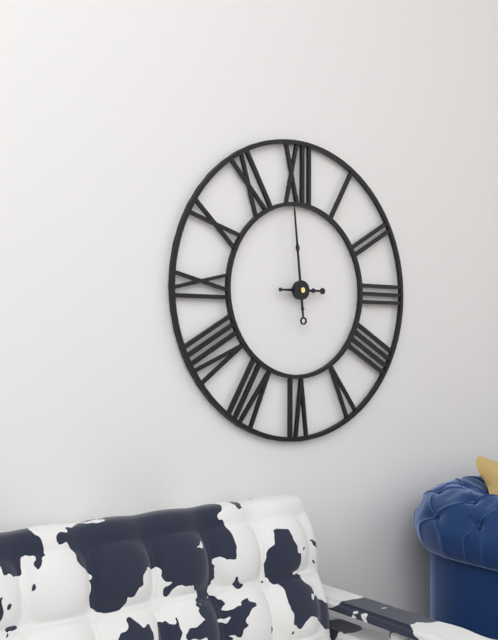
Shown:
h=2 m=59
